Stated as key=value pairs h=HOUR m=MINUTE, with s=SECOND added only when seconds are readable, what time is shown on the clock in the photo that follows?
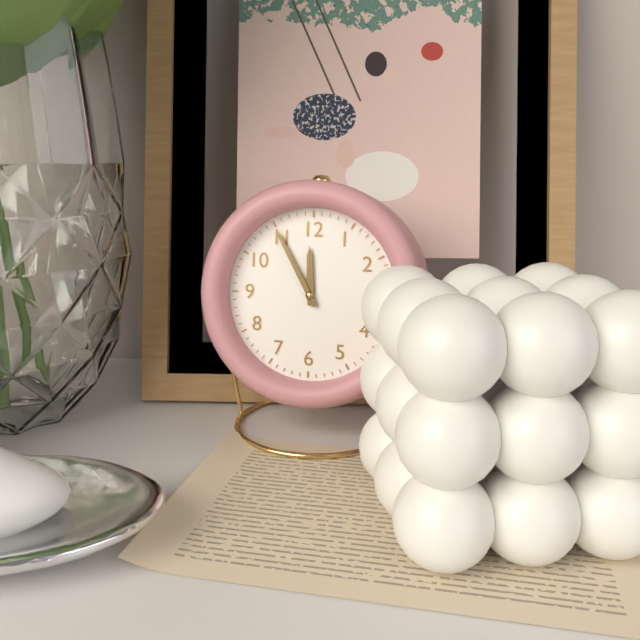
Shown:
h=11 m=55
